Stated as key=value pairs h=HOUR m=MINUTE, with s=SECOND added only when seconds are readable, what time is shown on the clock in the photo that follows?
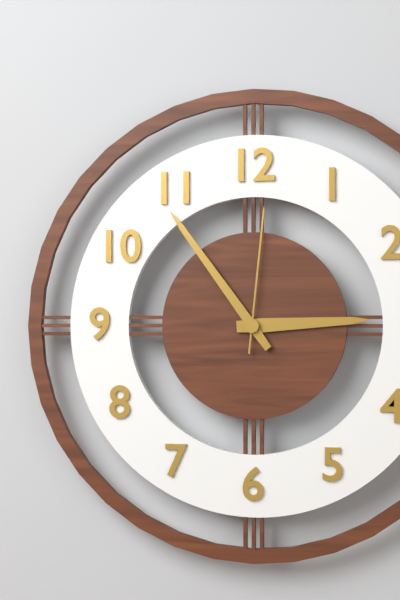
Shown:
h=2 m=54 s=1
